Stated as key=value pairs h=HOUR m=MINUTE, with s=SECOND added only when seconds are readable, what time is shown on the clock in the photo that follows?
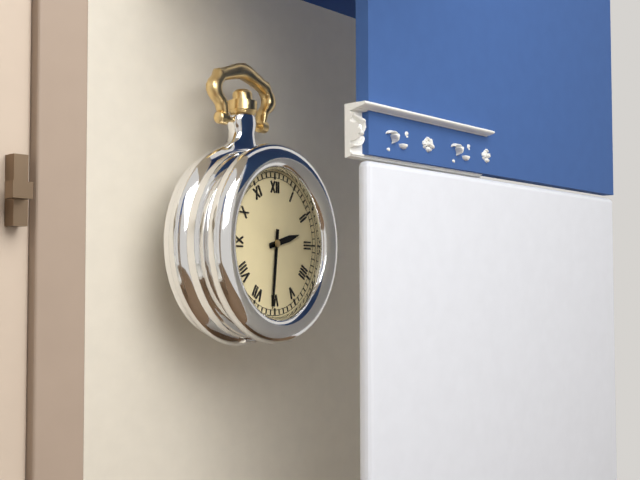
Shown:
h=2 m=31
